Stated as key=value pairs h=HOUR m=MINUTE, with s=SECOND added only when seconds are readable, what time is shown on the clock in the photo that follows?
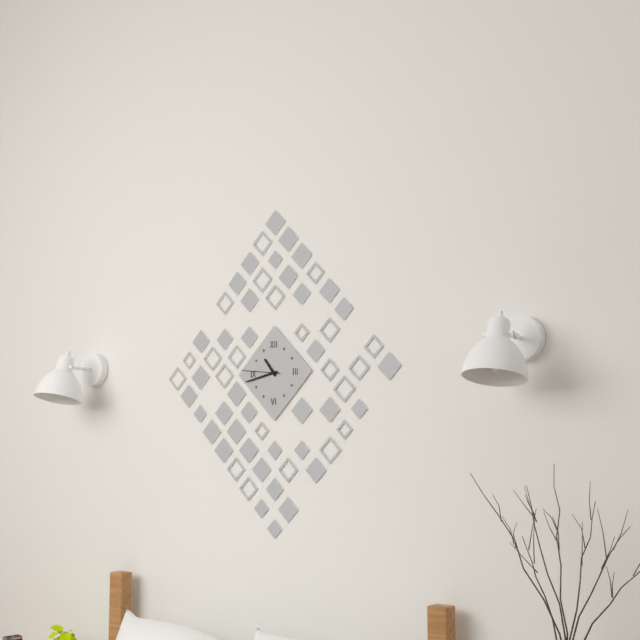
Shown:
h=10 m=43
